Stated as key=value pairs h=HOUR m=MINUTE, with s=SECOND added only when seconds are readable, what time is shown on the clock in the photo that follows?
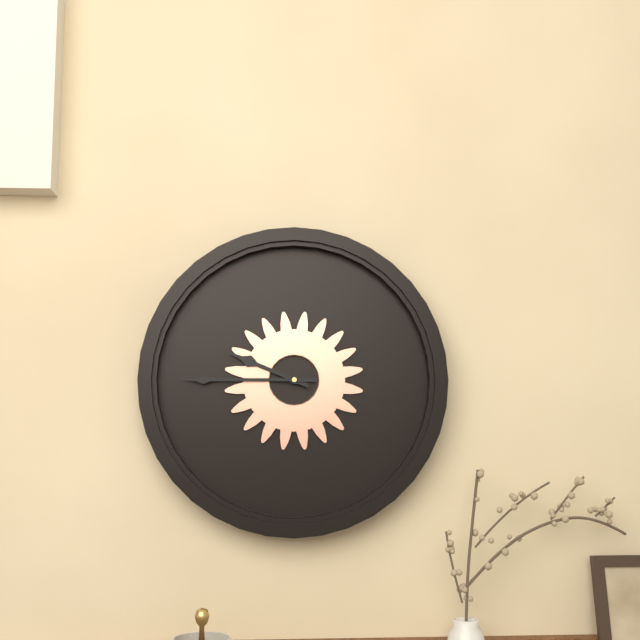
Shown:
h=9 m=45
